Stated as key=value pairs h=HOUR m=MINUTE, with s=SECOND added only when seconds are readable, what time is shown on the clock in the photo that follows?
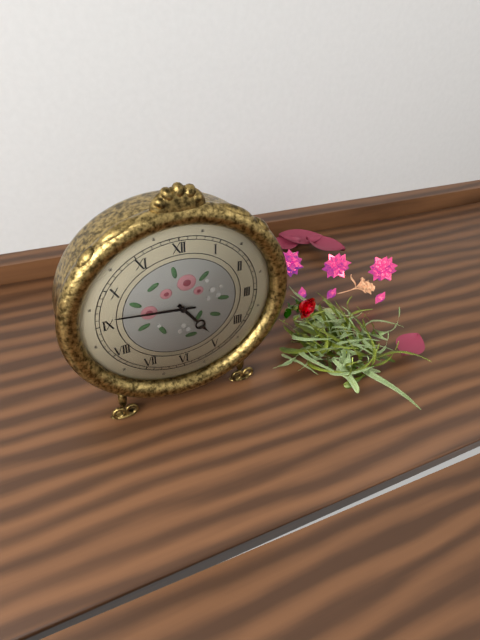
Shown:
h=4 m=46
